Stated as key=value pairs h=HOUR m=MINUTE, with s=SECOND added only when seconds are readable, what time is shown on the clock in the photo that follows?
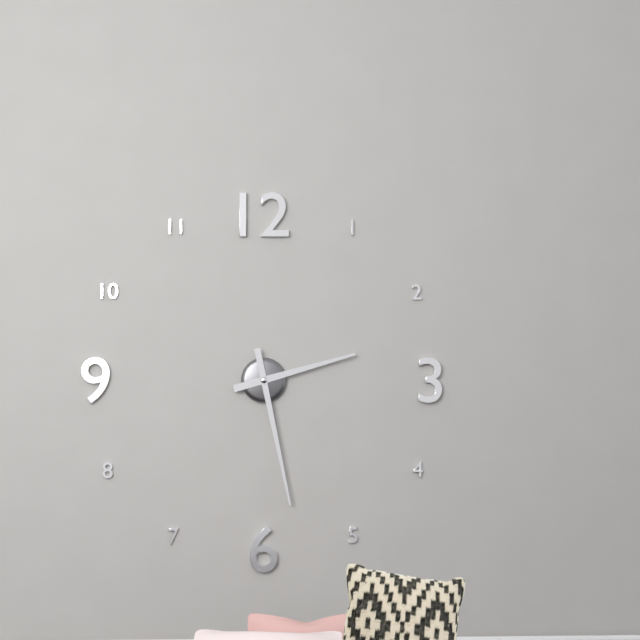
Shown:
h=2 m=28
